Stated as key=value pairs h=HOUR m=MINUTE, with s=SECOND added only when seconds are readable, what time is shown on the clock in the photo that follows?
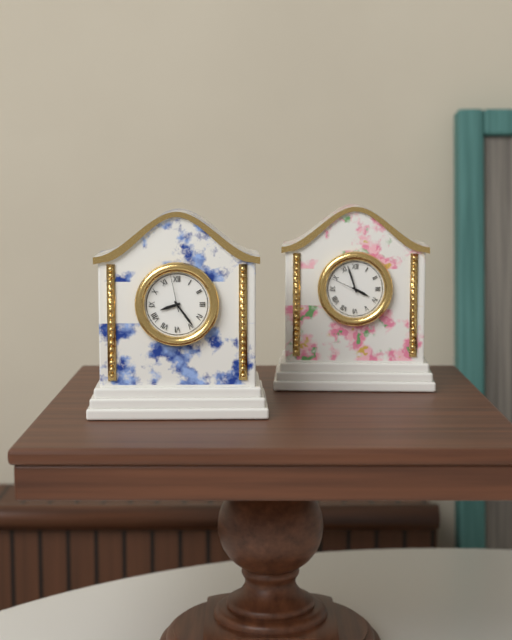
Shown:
h=8 m=24
